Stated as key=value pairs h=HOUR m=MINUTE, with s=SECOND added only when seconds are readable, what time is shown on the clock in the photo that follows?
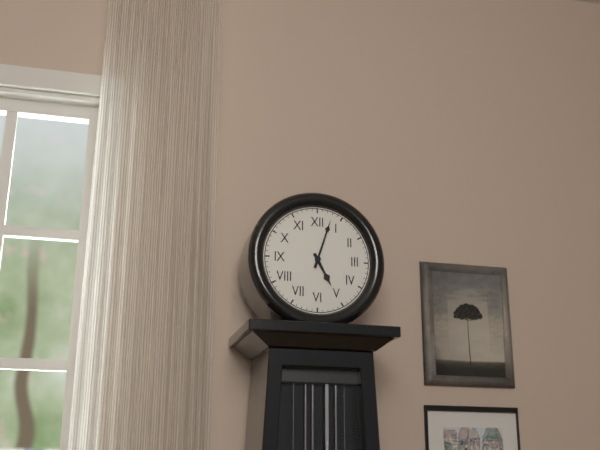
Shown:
h=5 m=3
